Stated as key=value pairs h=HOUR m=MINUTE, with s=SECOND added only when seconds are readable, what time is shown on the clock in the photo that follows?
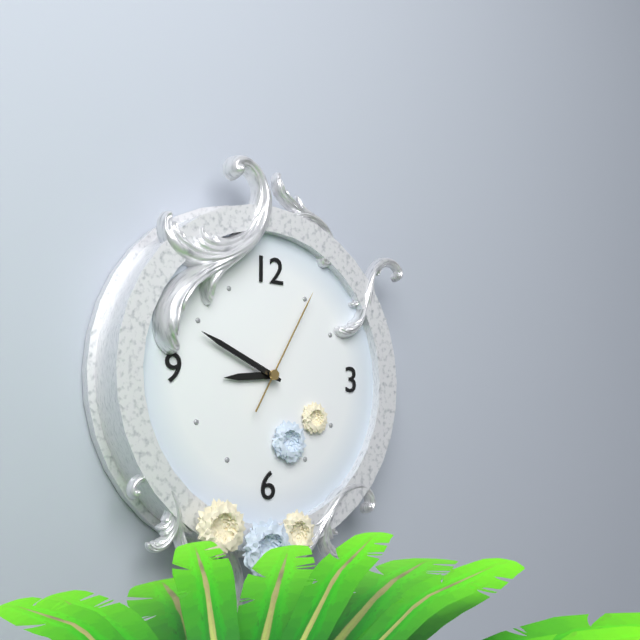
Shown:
h=8 m=49 s=5
